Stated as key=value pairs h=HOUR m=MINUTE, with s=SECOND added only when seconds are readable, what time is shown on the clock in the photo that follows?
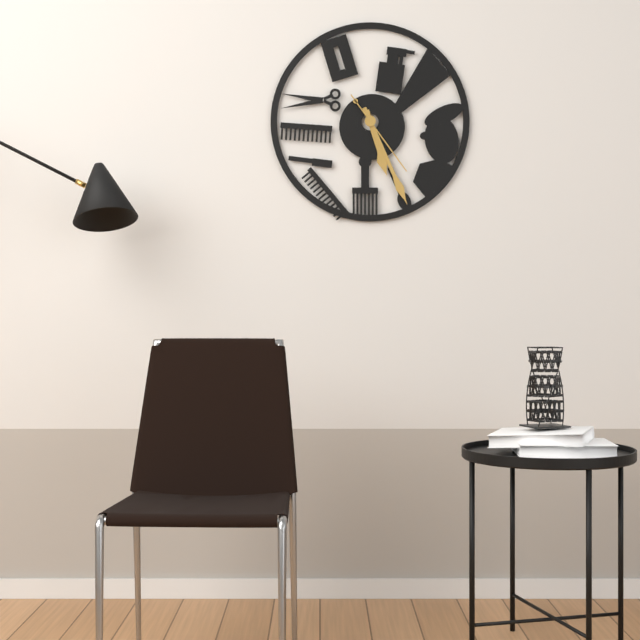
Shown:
h=5 m=26 s=24
